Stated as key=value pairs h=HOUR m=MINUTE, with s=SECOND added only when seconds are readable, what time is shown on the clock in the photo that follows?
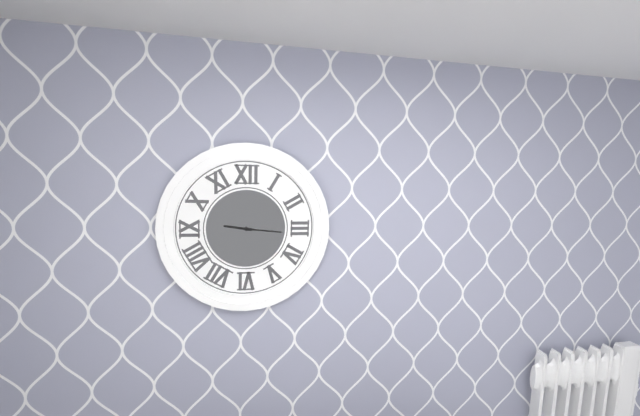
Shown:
h=9 m=16
